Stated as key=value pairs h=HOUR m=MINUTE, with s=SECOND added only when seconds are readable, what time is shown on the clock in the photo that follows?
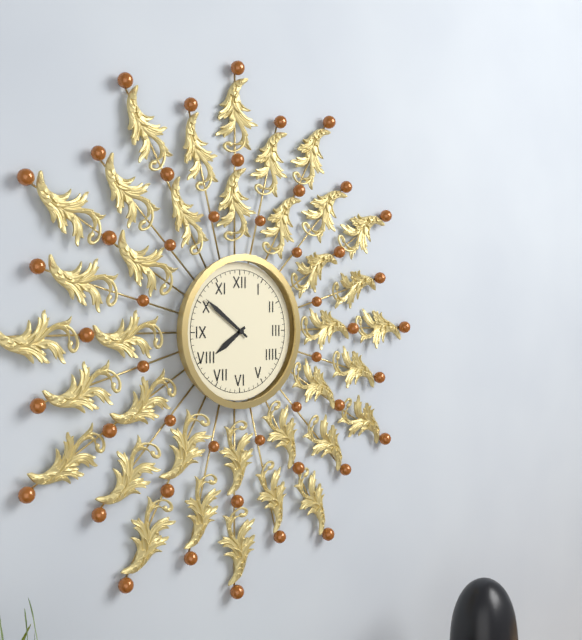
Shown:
h=7 m=51
